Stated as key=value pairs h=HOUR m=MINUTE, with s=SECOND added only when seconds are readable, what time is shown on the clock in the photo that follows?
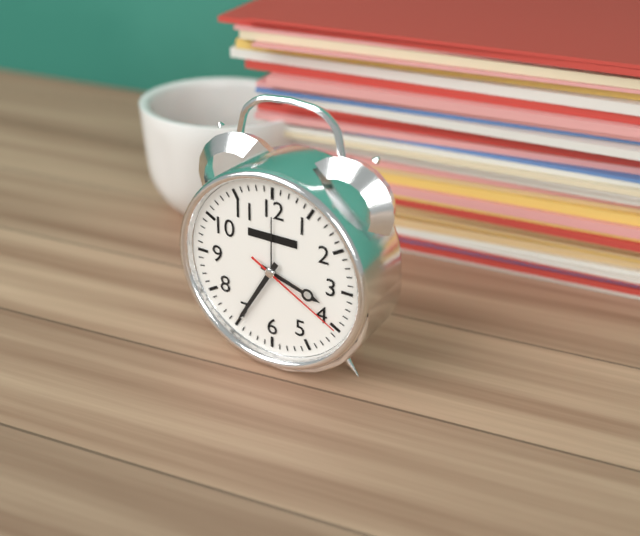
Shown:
h=3 m=35 s=20
